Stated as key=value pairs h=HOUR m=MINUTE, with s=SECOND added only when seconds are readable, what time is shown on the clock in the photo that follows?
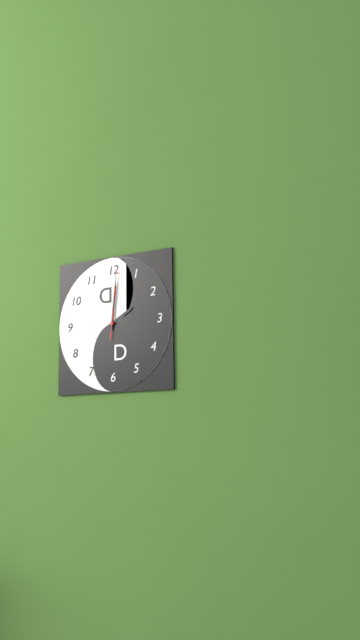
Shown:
h=2 m=1 s=1
